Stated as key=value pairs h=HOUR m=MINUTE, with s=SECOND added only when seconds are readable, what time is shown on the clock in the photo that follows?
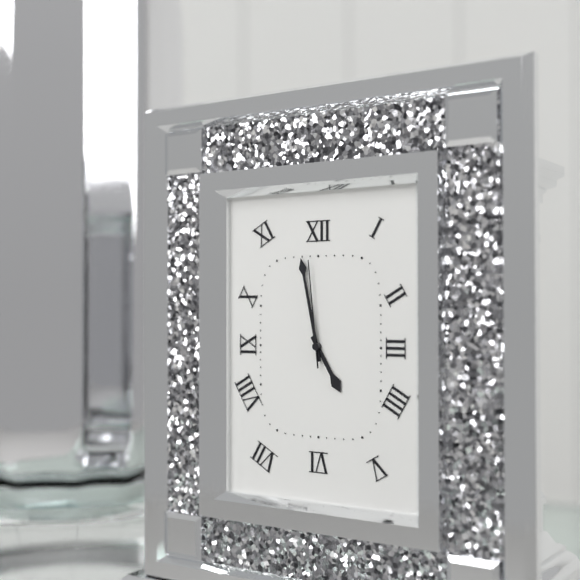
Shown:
h=4 m=58 s=59
